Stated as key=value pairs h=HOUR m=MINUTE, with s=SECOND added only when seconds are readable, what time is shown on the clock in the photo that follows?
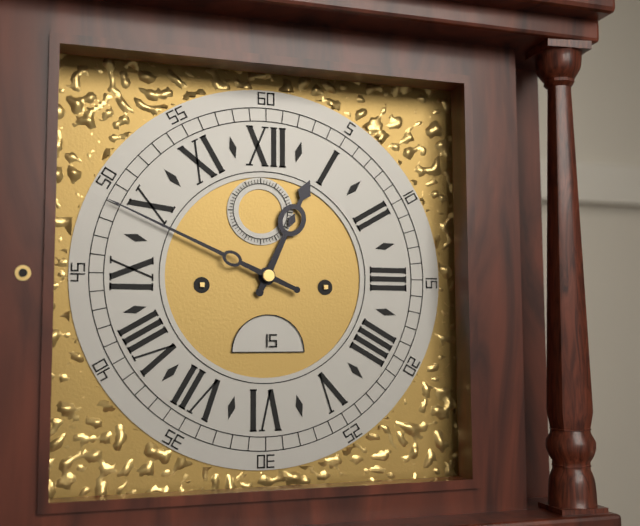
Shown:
h=12 m=49
